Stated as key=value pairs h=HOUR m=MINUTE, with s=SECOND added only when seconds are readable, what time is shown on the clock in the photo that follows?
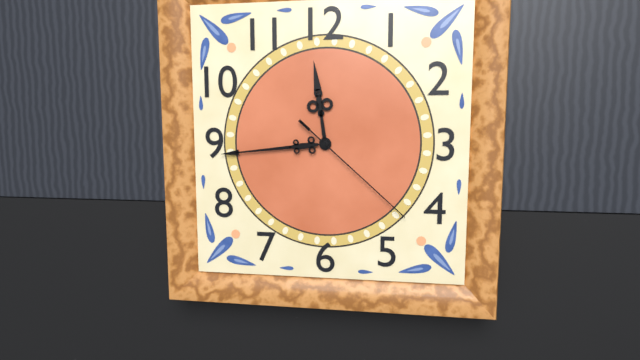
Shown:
h=11 m=44 s=22
